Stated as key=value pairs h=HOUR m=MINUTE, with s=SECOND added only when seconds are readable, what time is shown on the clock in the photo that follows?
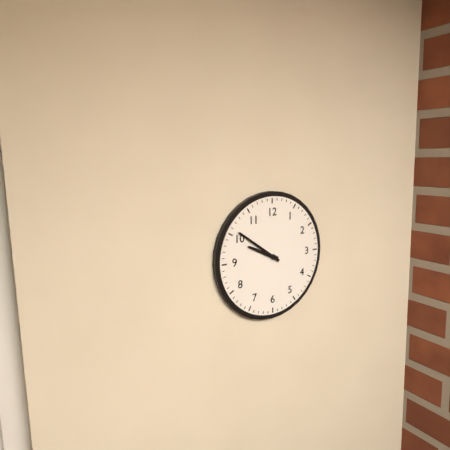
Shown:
h=9 m=51
